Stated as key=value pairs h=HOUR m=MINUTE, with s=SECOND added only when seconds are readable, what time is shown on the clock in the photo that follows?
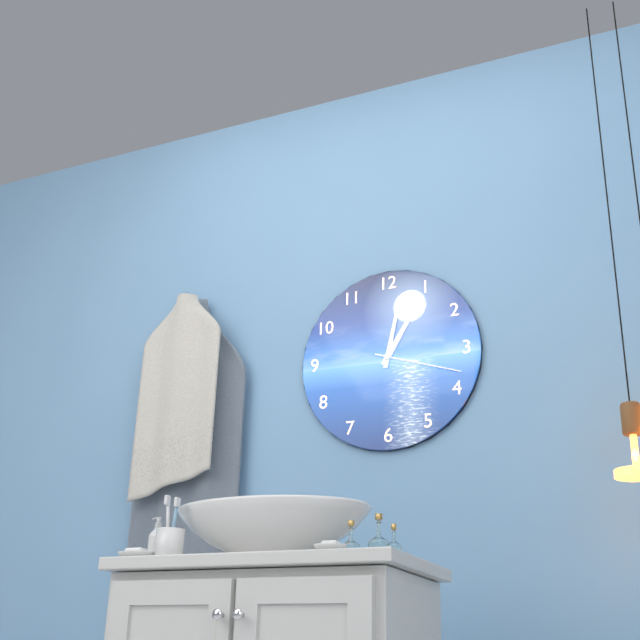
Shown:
h=1 m=2 s=18
